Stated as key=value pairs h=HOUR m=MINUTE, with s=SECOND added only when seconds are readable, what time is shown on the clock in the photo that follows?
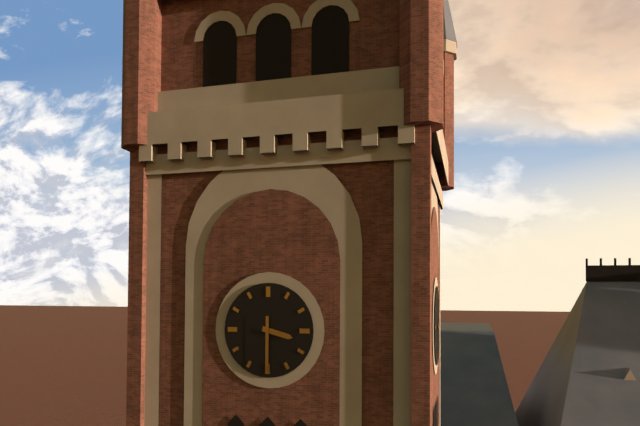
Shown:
h=3 m=30
